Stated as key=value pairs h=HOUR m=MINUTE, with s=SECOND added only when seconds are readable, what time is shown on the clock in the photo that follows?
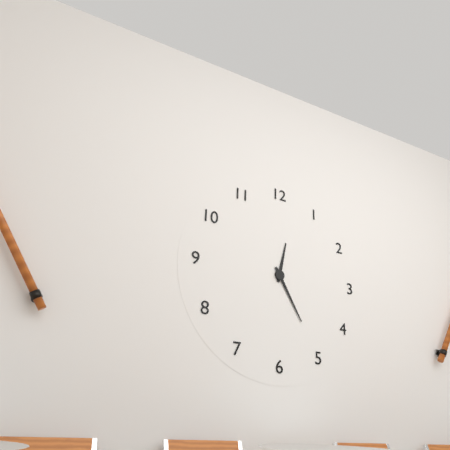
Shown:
h=12 m=25
